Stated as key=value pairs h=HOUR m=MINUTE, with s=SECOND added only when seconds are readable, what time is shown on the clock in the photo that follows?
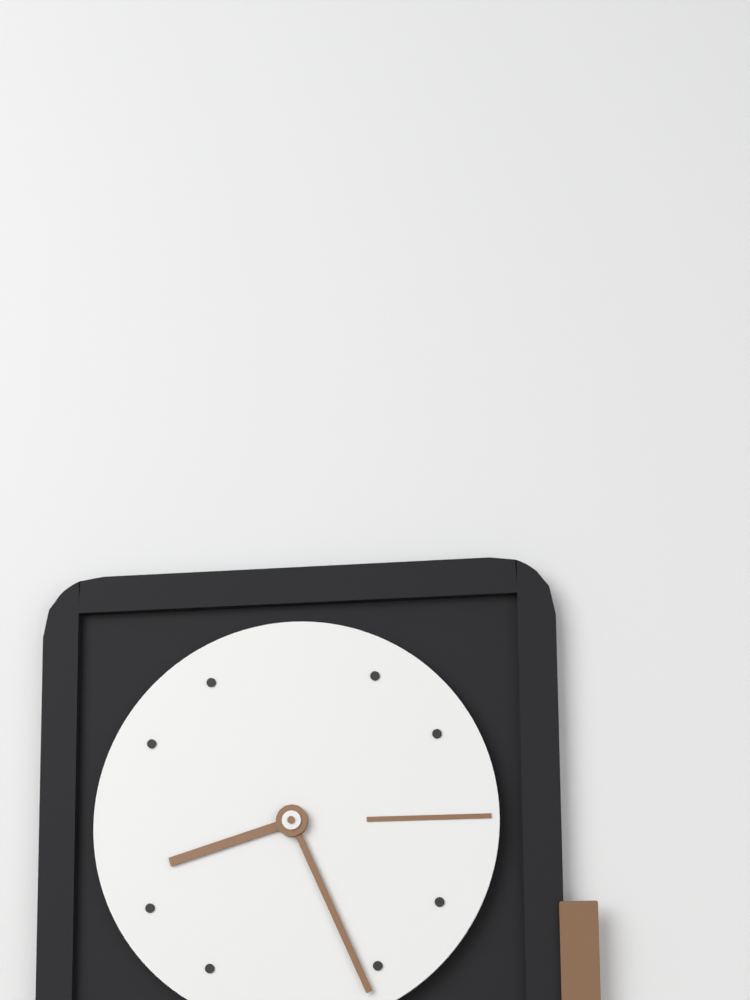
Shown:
h=8 m=26
